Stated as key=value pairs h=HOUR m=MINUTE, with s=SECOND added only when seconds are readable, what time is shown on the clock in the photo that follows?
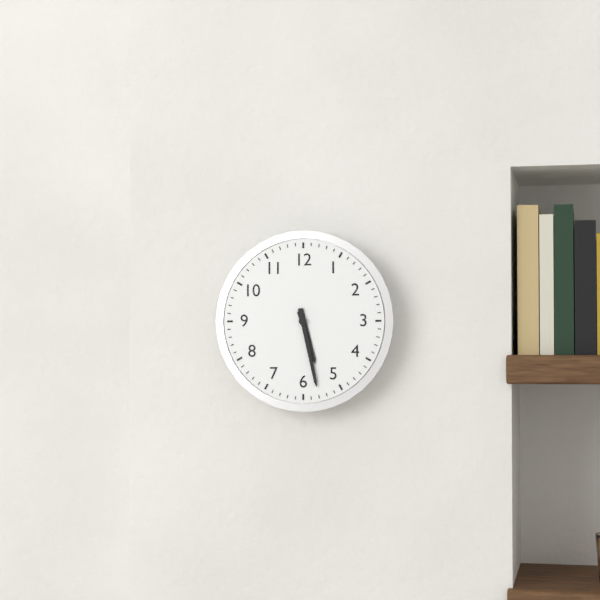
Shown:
h=5 m=28
